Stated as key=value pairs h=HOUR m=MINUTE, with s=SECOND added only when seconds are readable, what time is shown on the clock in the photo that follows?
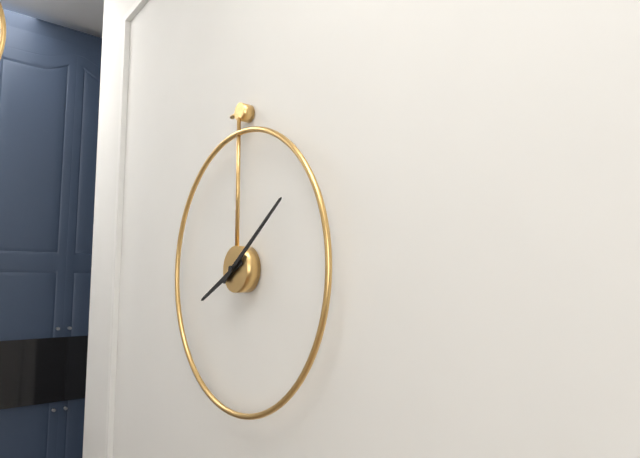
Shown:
h=8 m=9
